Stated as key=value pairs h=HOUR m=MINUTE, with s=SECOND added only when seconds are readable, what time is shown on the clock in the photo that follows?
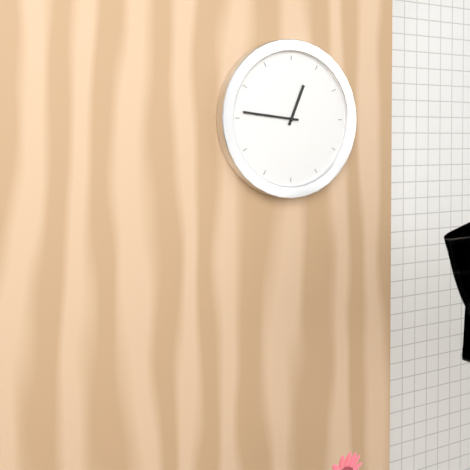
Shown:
h=12 m=46
